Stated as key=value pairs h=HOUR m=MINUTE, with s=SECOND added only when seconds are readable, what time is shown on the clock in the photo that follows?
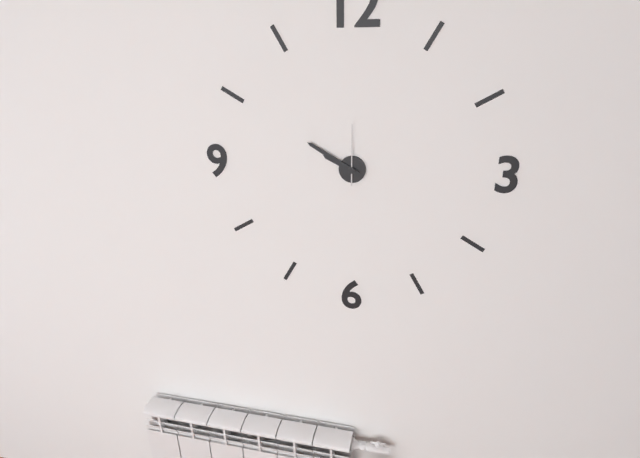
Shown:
h=9 m=50 s=0
